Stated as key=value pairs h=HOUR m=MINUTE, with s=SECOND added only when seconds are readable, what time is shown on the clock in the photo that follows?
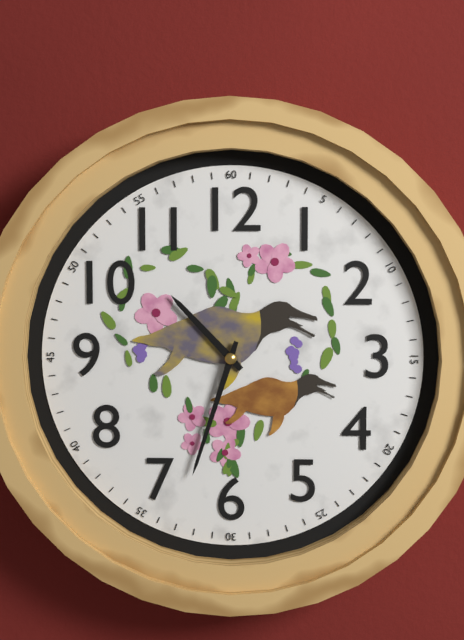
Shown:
h=10 m=33
